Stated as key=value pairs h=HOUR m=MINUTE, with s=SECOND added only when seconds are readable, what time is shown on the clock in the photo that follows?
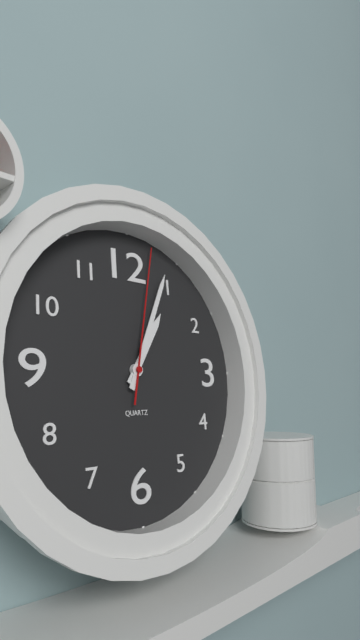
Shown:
h=1 m=4 s=2
